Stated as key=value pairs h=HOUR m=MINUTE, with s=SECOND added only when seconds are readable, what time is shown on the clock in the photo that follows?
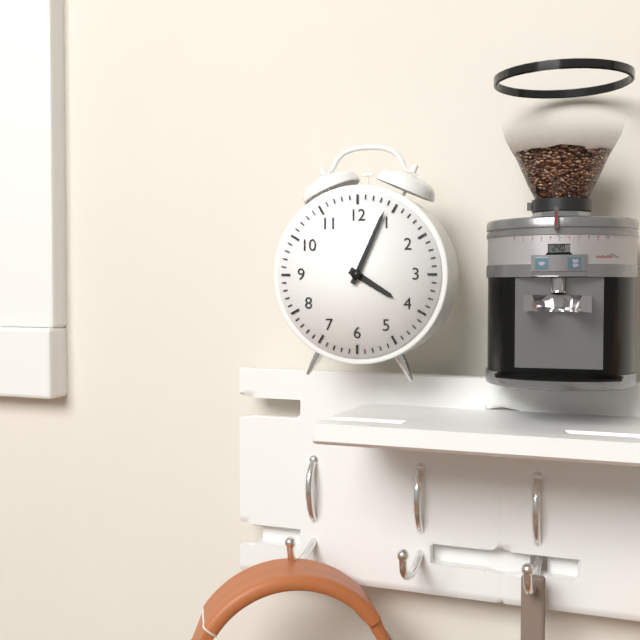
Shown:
h=4 m=4
